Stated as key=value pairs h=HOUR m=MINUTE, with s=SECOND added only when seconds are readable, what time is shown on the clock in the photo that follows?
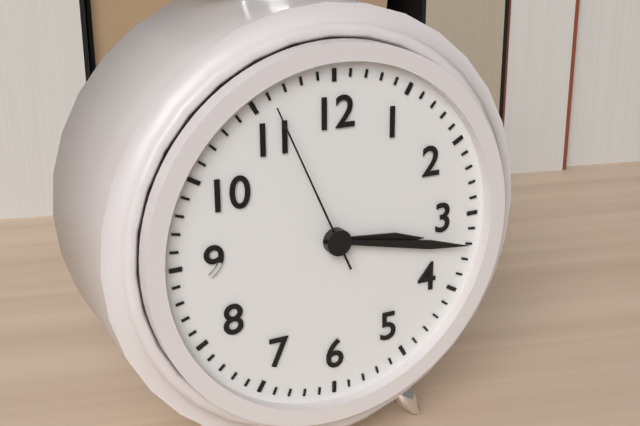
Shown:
h=3 m=17 s=56
